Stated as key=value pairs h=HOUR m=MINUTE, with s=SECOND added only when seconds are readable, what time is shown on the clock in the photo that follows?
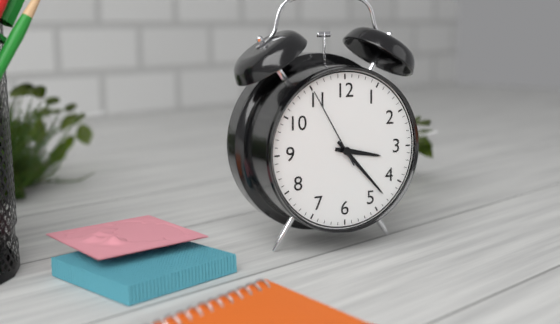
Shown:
h=3 m=23 s=55
